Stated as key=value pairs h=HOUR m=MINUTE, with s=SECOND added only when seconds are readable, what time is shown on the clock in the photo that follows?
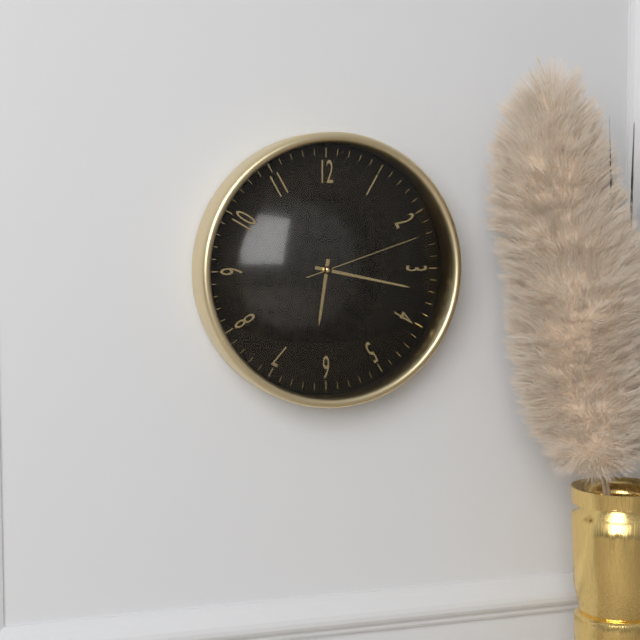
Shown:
h=6 m=17 s=12
